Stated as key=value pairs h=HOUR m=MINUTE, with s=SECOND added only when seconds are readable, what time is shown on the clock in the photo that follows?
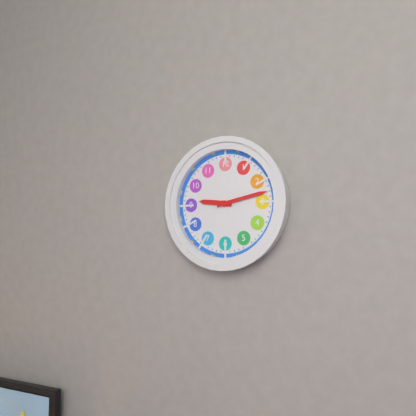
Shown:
h=9 m=13
